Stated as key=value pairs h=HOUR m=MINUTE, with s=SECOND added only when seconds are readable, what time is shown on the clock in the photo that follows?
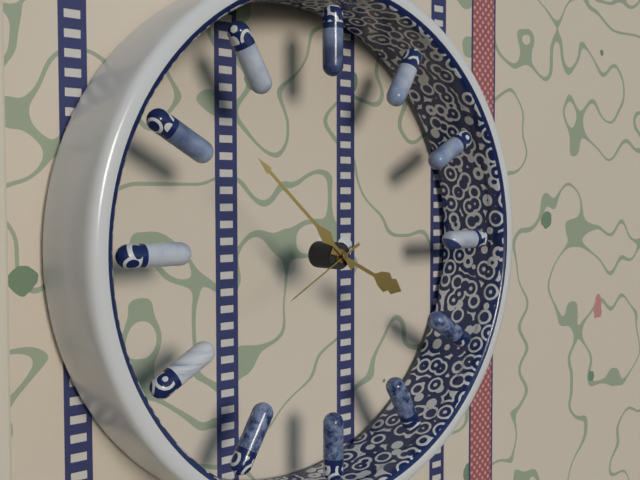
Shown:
h=3 m=52 s=40
